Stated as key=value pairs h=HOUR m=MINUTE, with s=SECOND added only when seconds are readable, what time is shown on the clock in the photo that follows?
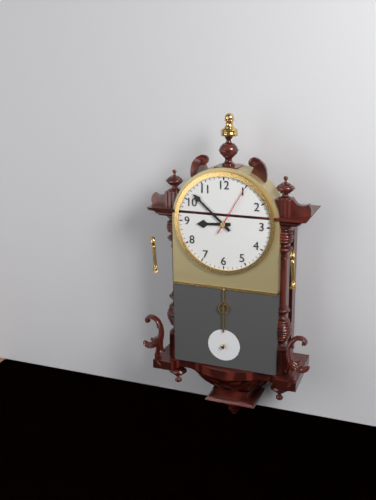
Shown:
h=8 m=52 s=5
